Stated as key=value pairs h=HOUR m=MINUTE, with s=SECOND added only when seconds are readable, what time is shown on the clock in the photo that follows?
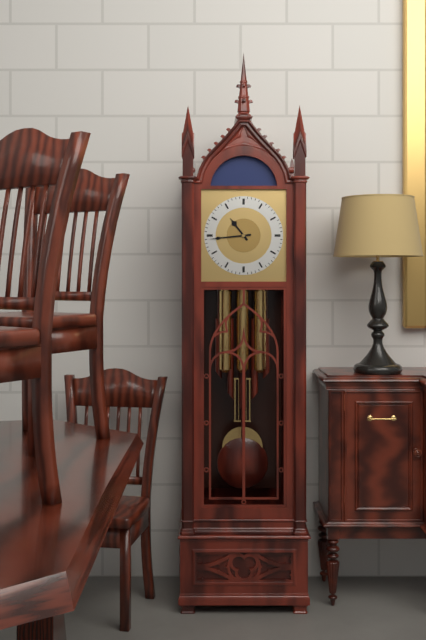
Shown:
h=10 m=44
